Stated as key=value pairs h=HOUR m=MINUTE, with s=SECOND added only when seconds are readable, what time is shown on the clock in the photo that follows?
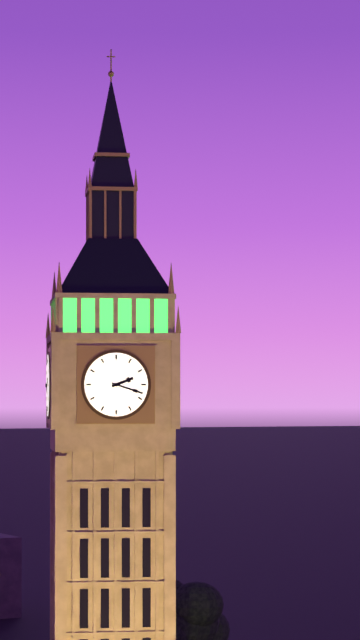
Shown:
h=2 m=18
